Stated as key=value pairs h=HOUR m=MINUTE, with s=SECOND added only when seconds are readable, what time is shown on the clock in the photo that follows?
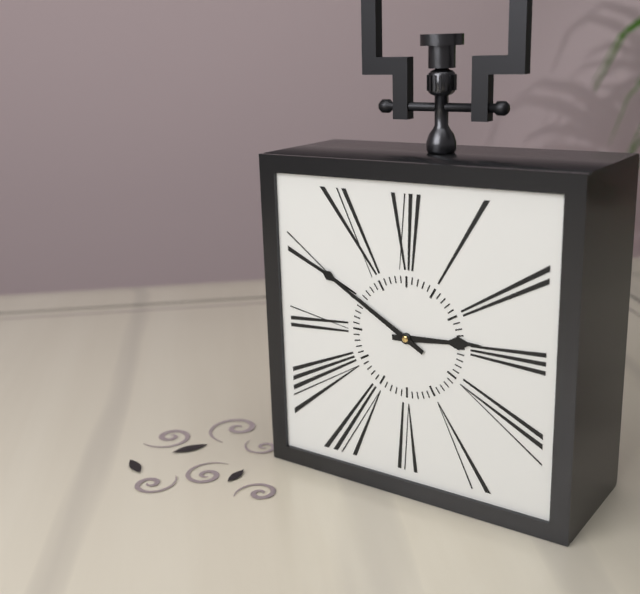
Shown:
h=2 m=50
